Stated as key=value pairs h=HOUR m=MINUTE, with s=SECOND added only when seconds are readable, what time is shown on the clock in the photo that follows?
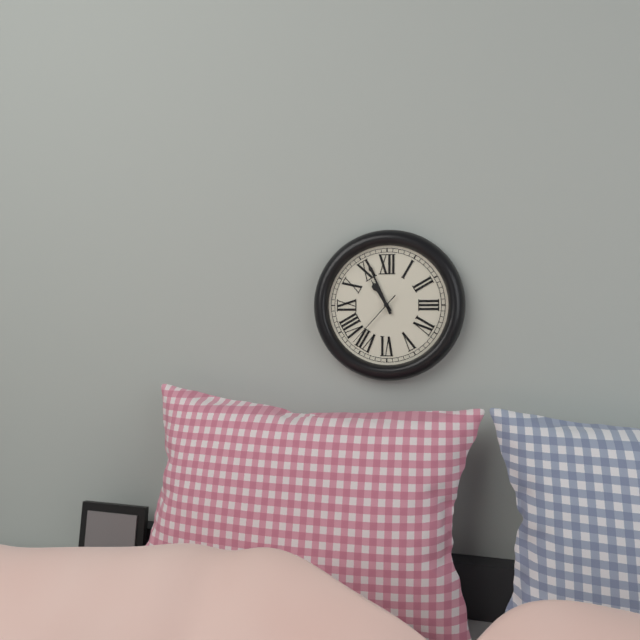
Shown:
h=10 m=56 s=37
